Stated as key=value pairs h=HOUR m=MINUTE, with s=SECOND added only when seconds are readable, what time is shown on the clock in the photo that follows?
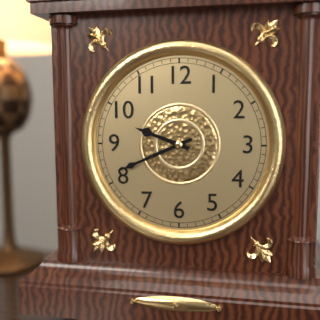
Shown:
h=9 m=41
